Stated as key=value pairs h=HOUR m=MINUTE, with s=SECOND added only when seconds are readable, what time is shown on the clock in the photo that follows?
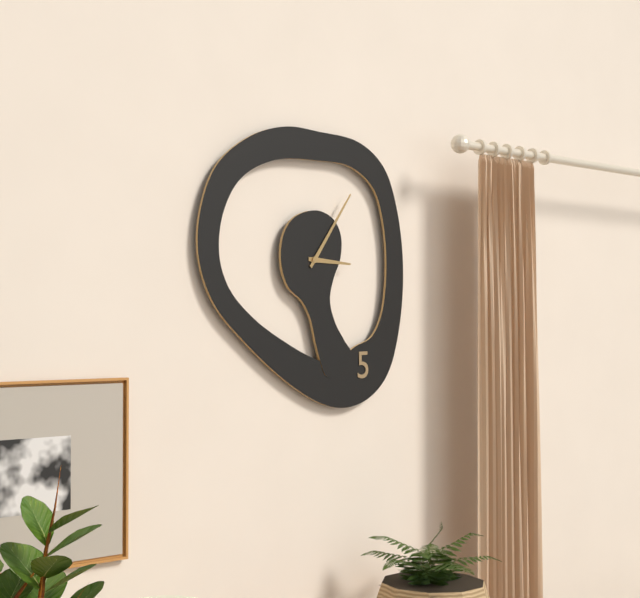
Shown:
h=3 m=6
